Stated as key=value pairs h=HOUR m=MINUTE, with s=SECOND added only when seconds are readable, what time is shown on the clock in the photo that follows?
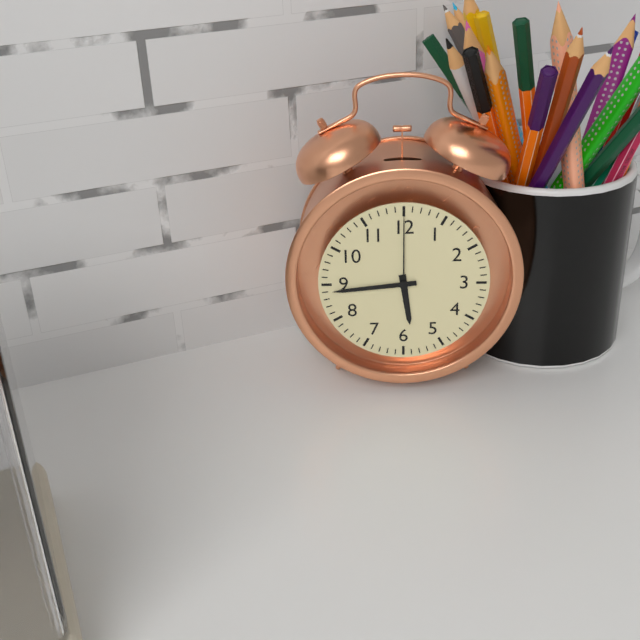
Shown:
h=5 m=44 s=0
